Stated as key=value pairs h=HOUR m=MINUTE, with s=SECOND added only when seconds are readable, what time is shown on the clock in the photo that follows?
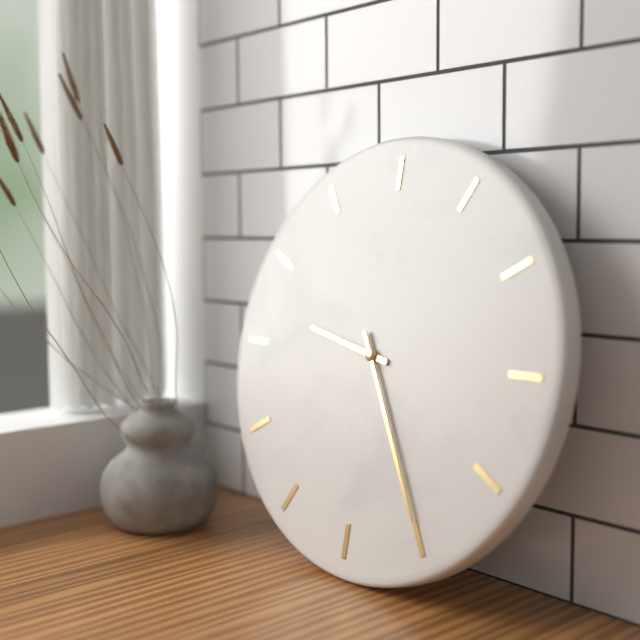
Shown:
h=9 m=25
